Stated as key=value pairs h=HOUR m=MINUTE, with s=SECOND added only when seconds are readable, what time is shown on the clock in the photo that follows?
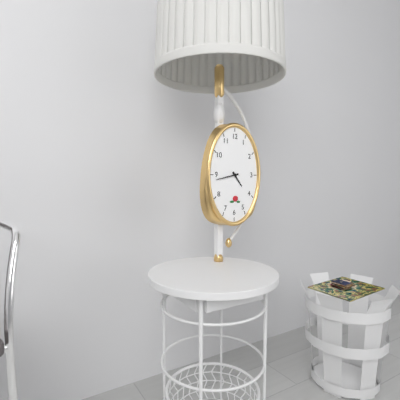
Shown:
h=4 m=43
